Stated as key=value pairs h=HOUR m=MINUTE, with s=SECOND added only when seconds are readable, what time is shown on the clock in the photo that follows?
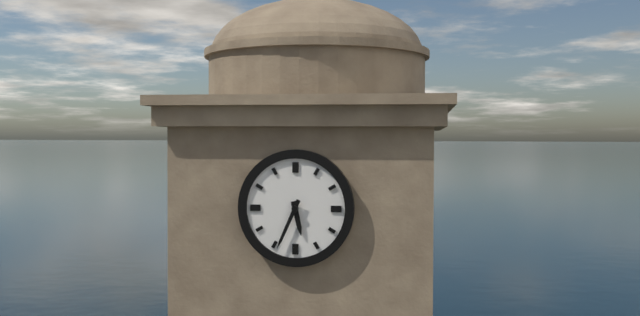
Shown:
h=5 m=34
